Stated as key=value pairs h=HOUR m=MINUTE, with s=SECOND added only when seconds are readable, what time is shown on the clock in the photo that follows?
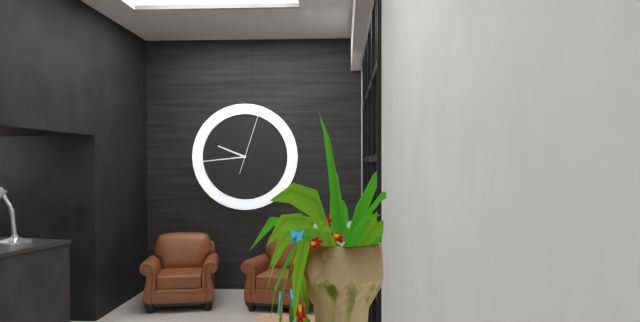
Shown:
h=9 m=44 s=3
